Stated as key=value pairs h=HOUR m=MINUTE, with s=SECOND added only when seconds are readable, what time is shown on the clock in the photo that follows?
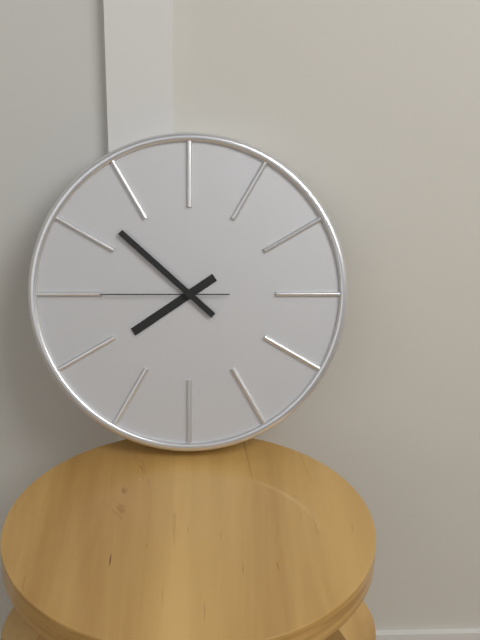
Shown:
h=7 m=52 s=45
